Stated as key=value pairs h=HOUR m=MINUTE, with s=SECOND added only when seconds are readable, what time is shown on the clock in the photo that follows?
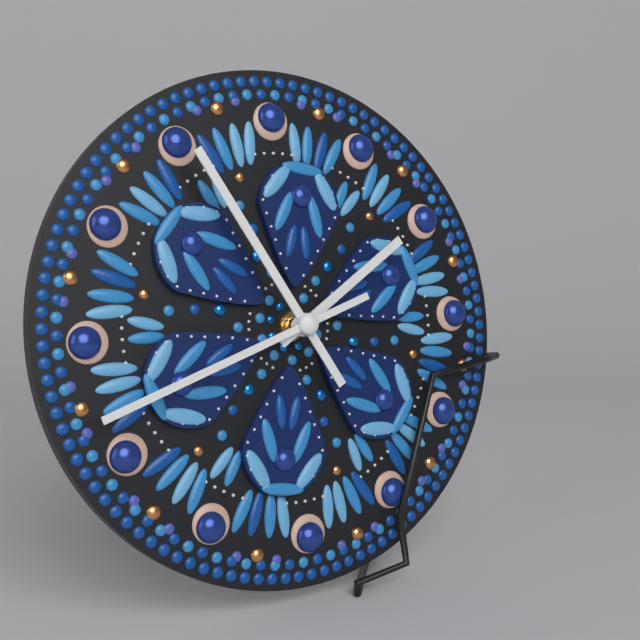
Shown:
h=1 m=55 s=42
